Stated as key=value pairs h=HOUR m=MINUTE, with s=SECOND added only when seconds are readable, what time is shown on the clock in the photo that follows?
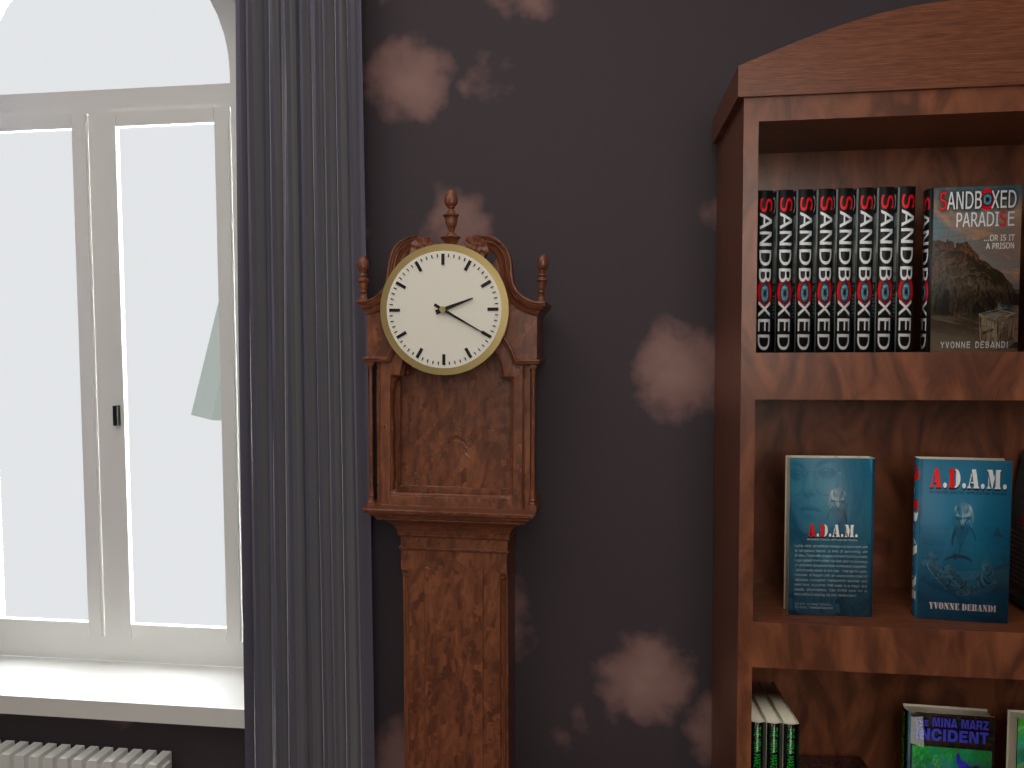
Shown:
h=2 m=20
